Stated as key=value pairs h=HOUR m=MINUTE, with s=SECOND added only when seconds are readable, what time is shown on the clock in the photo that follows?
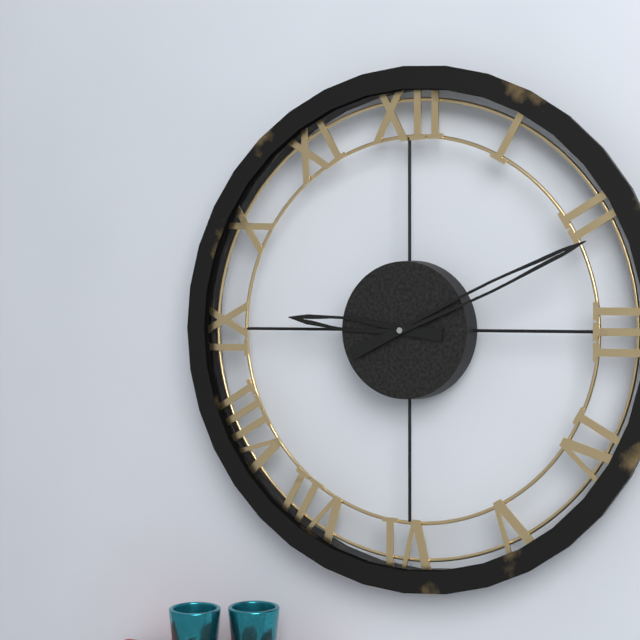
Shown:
h=9 m=11
